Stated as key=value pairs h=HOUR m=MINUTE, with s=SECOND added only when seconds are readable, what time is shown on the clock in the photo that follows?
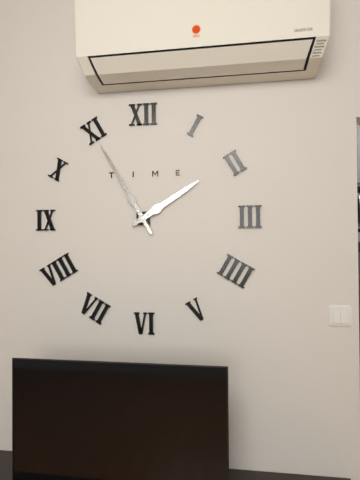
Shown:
h=1 m=55
